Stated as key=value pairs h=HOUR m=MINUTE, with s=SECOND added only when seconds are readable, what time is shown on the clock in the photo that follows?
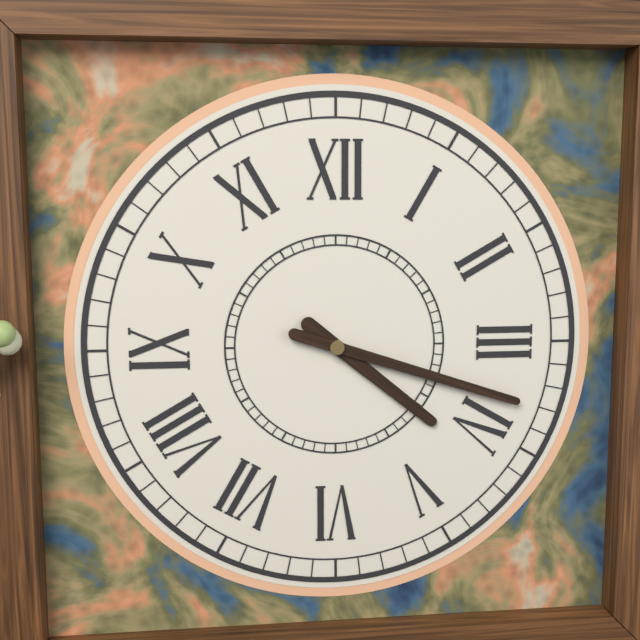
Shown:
h=4 m=18
